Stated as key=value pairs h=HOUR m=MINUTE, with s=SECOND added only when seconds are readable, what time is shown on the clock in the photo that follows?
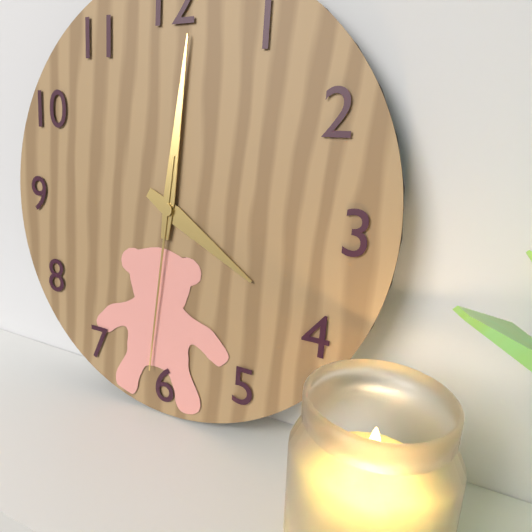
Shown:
h=4 m=1 s=31
